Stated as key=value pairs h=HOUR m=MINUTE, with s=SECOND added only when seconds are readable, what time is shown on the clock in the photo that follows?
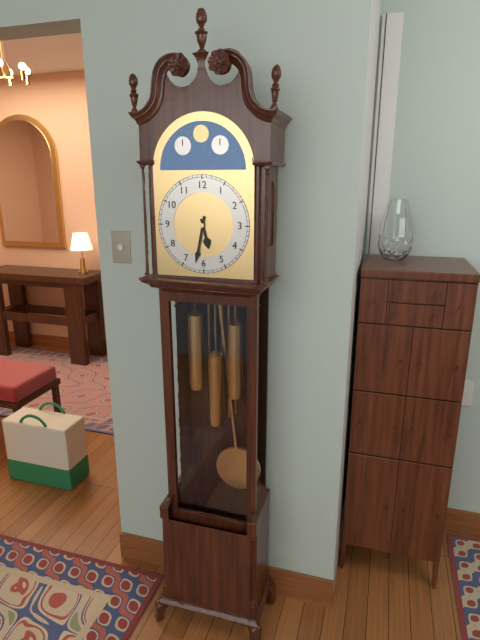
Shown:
h=5 m=32
